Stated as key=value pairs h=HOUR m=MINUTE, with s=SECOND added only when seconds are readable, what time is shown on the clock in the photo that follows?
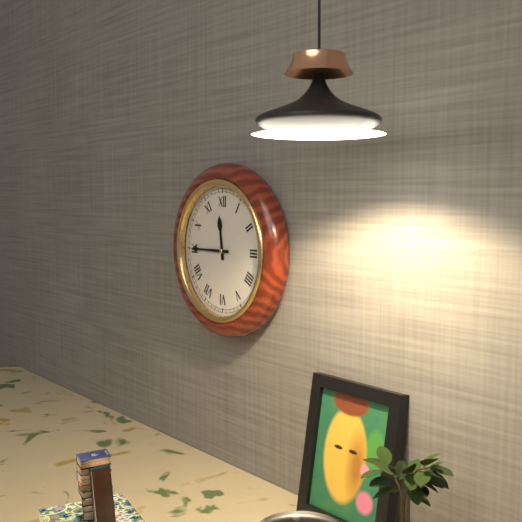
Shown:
h=11 m=45
